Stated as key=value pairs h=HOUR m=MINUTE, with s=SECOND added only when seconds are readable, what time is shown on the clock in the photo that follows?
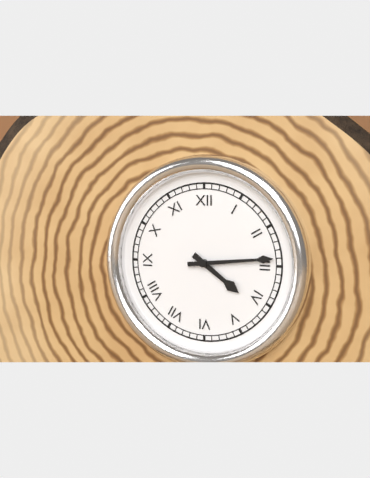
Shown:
h=4 m=14
